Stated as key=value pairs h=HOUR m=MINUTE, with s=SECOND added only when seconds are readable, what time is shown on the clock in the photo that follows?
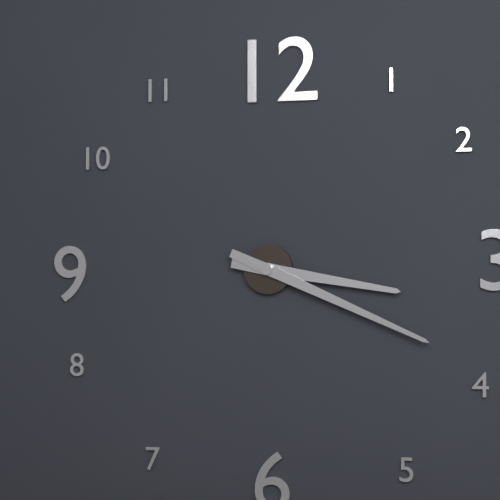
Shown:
h=3 m=19
